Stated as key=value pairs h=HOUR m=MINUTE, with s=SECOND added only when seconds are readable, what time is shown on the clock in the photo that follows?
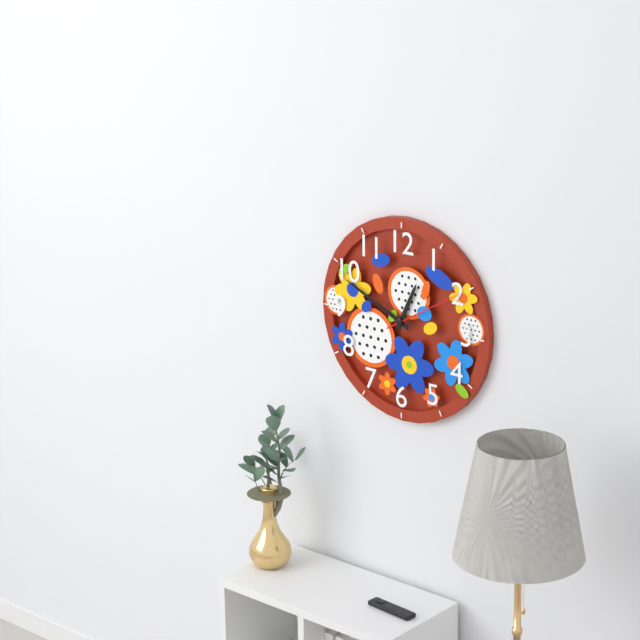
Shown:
h=12 m=49 s=10
